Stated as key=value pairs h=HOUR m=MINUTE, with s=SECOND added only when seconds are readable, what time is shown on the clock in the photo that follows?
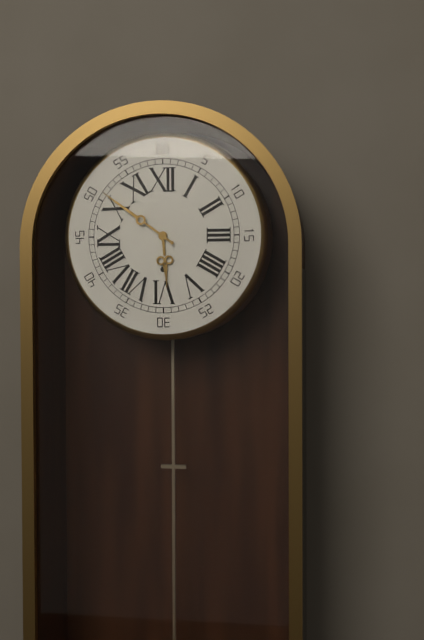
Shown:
h=5 m=51
